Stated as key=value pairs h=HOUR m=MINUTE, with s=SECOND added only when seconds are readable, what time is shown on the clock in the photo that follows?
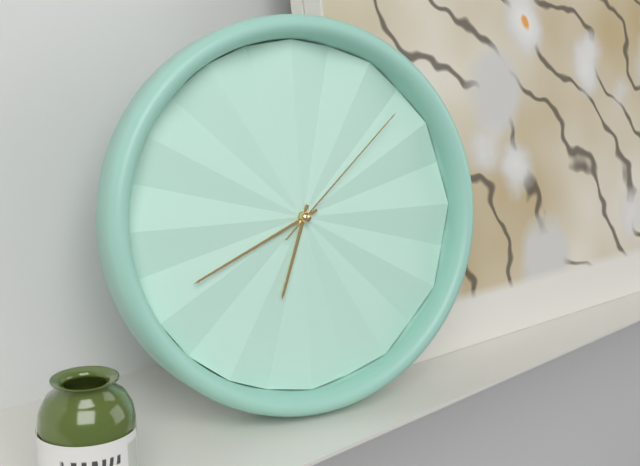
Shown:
h=6 m=41 s=8
